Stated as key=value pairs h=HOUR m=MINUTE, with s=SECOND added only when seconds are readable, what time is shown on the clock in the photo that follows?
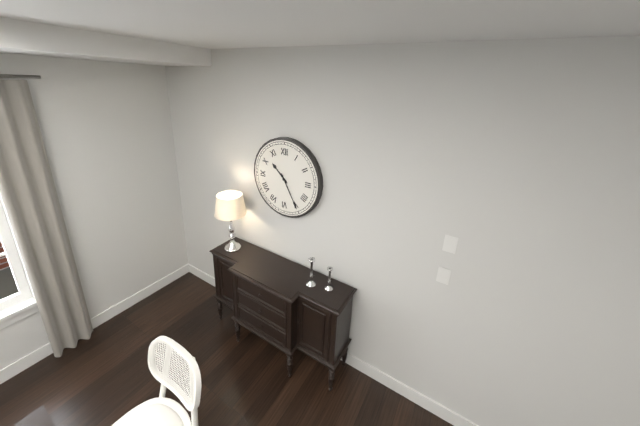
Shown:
h=10 m=25
